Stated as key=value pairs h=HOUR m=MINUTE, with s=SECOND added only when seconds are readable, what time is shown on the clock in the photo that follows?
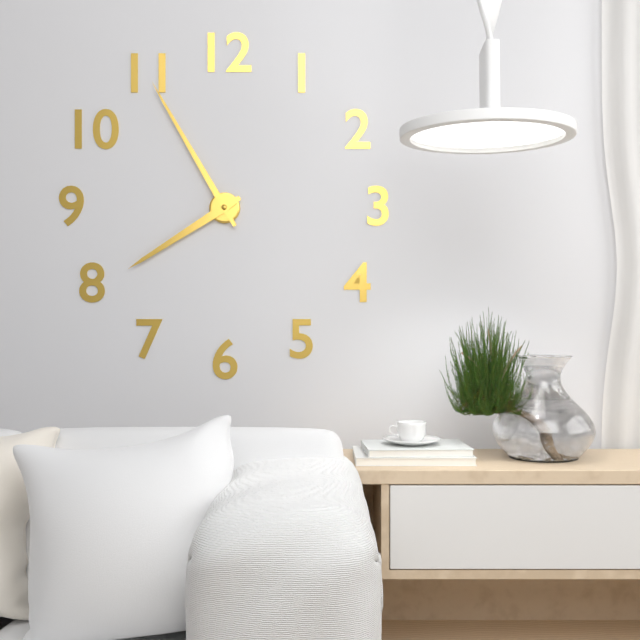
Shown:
h=7 m=55
